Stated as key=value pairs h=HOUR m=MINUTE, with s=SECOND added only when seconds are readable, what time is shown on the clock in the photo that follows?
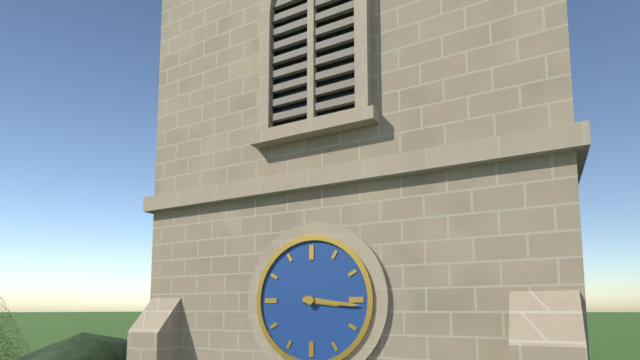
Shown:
h=3 m=16
